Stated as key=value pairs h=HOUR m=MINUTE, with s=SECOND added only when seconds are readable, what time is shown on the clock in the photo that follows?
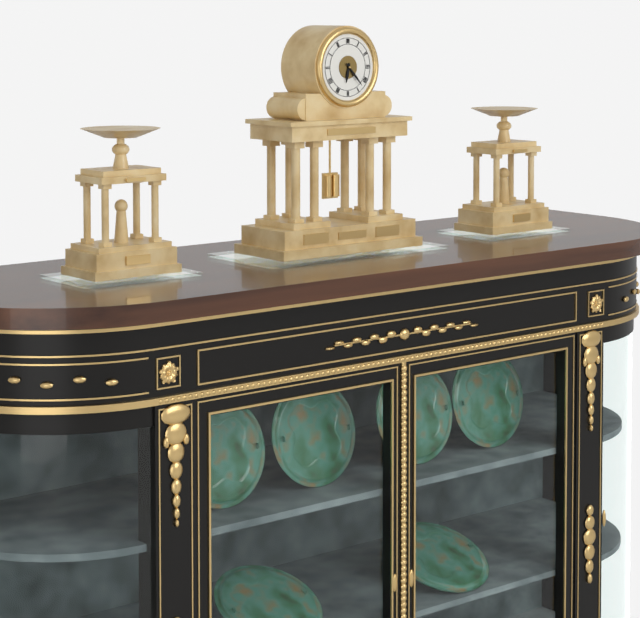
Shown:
h=6 m=23
